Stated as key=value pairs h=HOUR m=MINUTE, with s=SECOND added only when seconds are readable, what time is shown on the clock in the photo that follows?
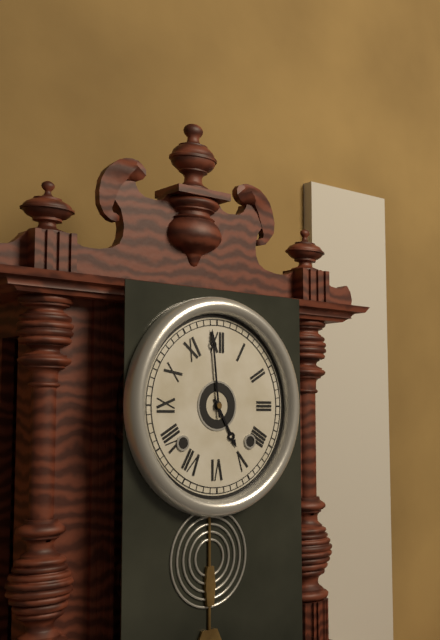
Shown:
h=4 m=59
